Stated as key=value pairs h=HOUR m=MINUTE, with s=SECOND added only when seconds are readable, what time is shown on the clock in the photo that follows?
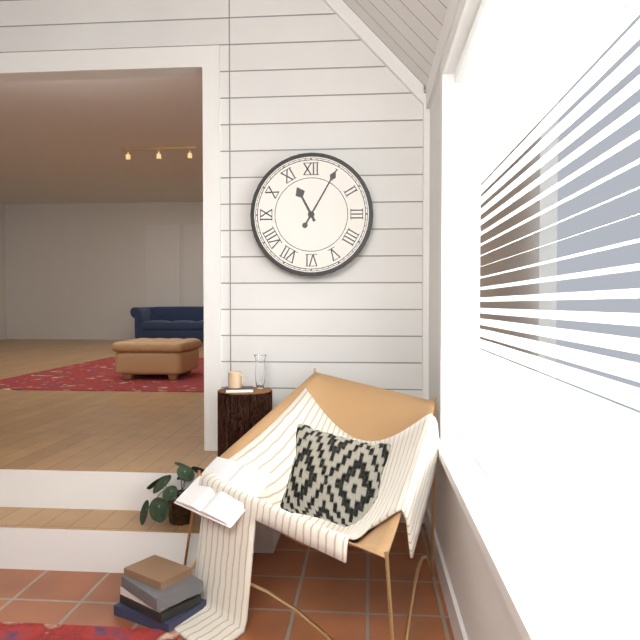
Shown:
h=11 m=5
